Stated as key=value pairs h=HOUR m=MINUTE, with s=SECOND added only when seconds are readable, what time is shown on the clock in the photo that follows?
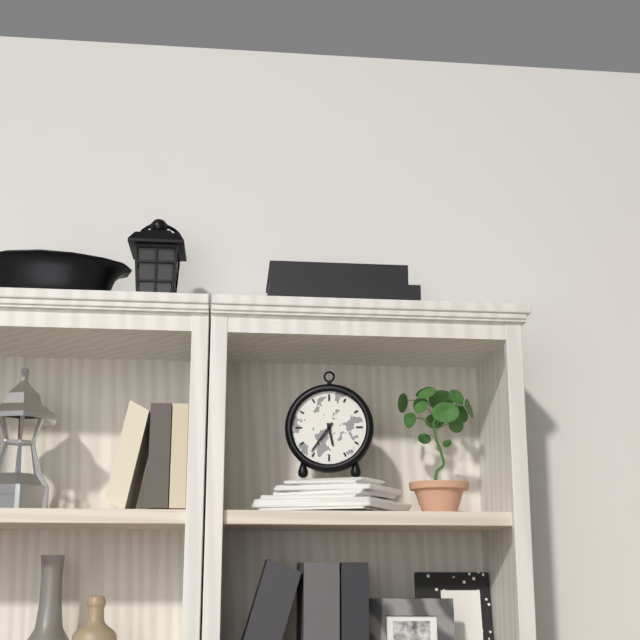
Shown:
h=5 m=36
